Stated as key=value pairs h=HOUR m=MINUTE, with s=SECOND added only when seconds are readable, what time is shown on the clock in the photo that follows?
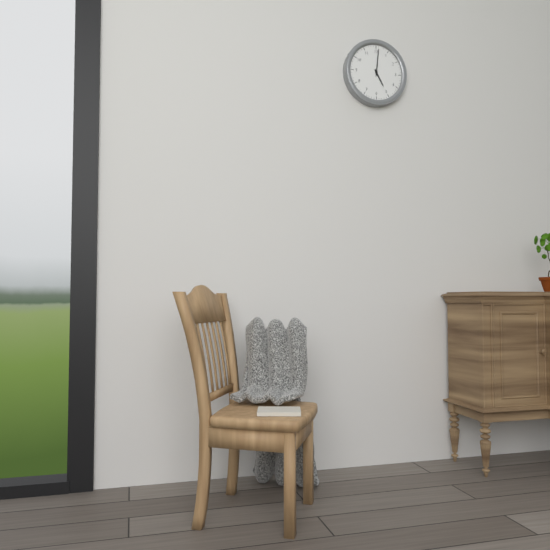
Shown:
h=5 m=1
